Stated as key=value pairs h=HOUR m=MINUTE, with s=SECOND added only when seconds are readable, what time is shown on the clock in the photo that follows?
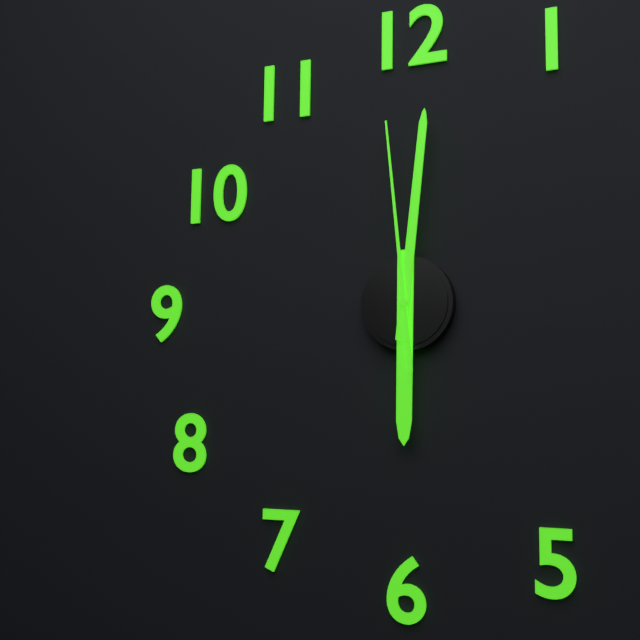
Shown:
h=6 m=1 s=59
